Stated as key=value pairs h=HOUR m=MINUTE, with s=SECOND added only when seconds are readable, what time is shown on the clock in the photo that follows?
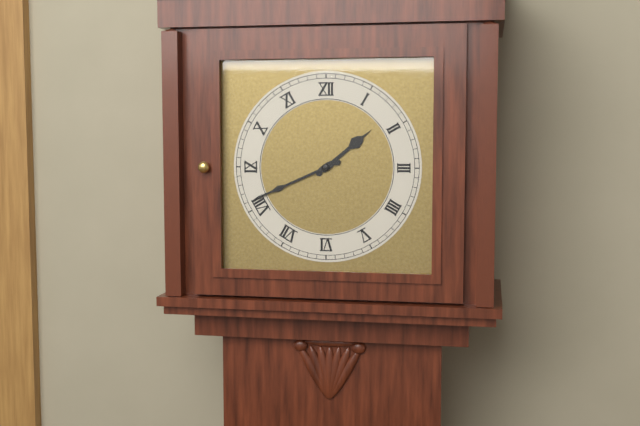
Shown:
h=1 m=41
